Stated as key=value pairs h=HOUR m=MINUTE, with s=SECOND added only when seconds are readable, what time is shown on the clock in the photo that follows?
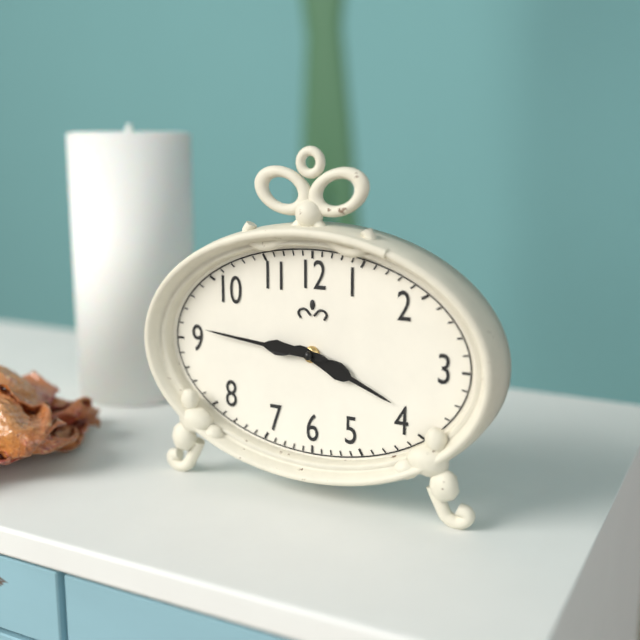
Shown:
h=3 m=46
